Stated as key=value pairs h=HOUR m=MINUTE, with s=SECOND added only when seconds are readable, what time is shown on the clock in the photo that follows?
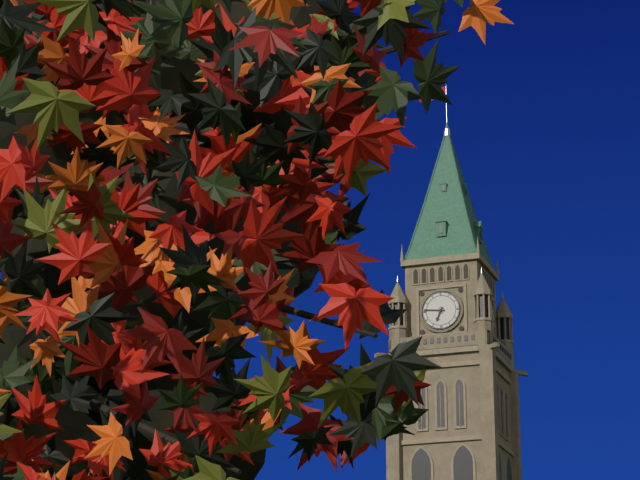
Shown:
h=6 m=46
